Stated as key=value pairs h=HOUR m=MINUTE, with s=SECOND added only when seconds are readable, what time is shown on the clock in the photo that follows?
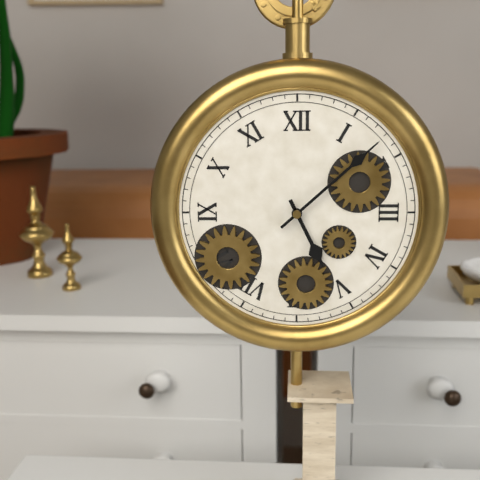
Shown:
h=5 m=8
